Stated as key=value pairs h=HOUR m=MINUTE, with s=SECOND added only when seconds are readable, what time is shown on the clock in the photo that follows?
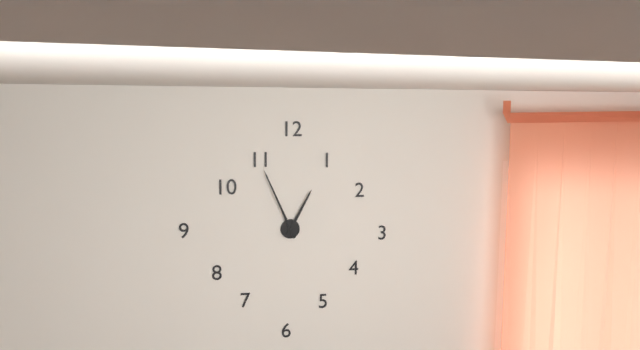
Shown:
h=12 m=56
